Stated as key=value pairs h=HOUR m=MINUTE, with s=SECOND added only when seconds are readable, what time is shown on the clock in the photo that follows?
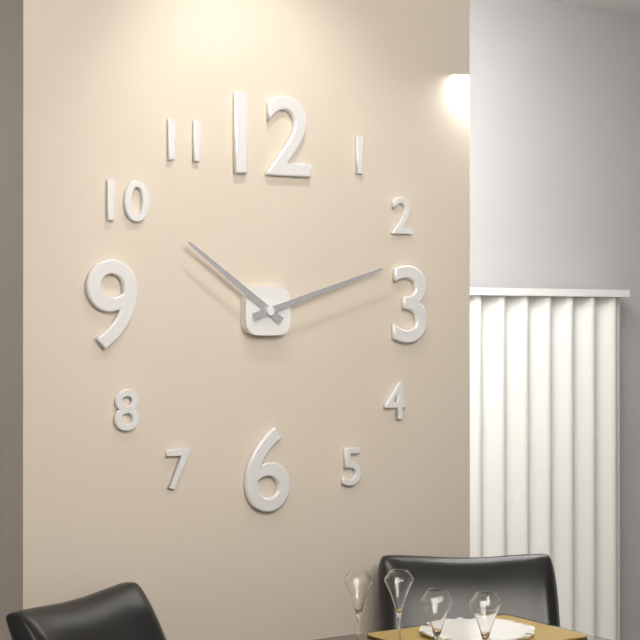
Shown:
h=10 m=12
